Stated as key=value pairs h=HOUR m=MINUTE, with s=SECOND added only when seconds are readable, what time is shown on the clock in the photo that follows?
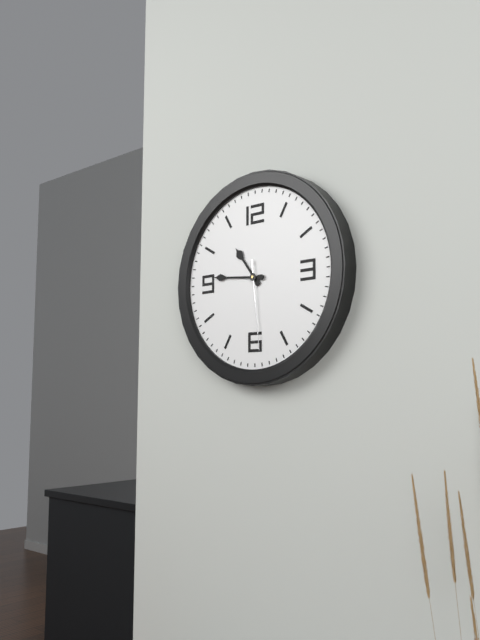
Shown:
h=10 m=46 s=29
